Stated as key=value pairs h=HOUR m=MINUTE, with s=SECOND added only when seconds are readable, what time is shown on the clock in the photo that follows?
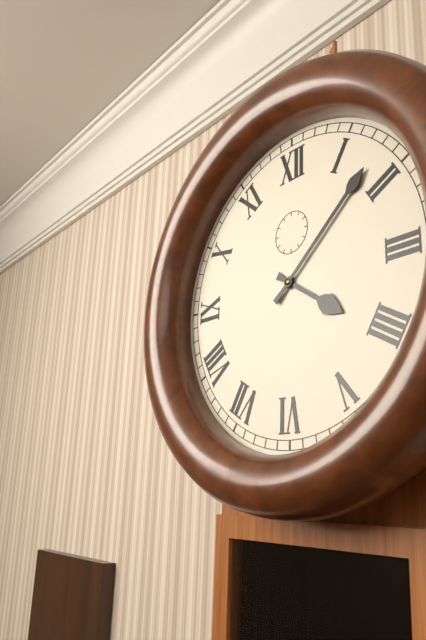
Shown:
h=4 m=8
